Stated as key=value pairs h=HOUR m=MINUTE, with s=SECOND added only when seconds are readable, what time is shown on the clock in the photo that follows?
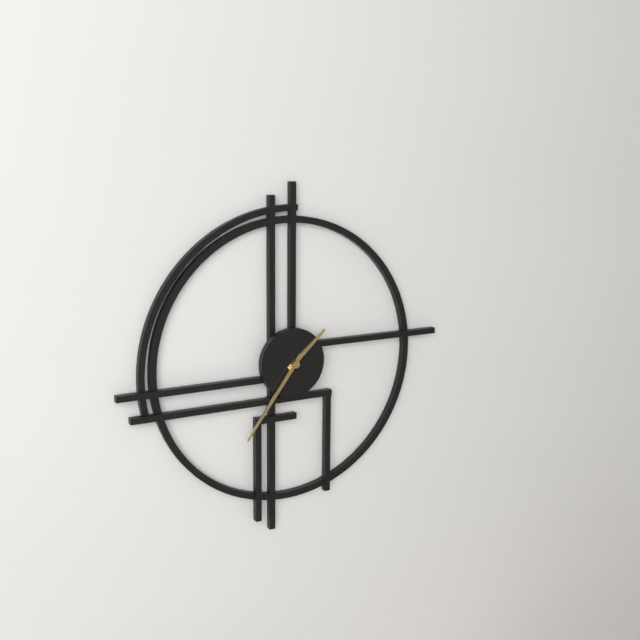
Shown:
h=1 m=36
